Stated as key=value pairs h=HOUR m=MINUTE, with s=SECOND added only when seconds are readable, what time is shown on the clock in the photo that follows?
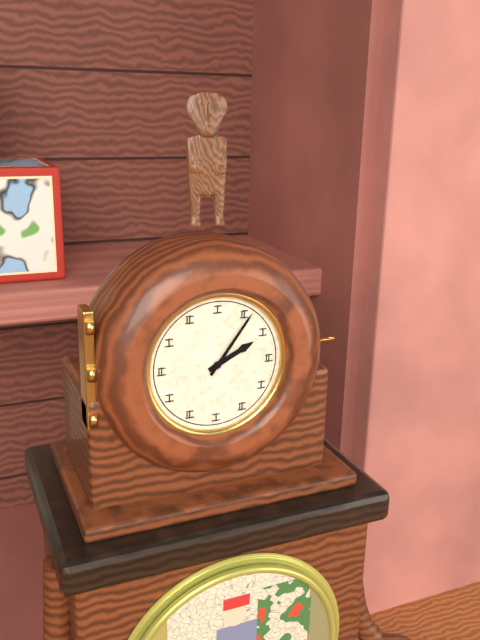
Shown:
h=2 m=6
